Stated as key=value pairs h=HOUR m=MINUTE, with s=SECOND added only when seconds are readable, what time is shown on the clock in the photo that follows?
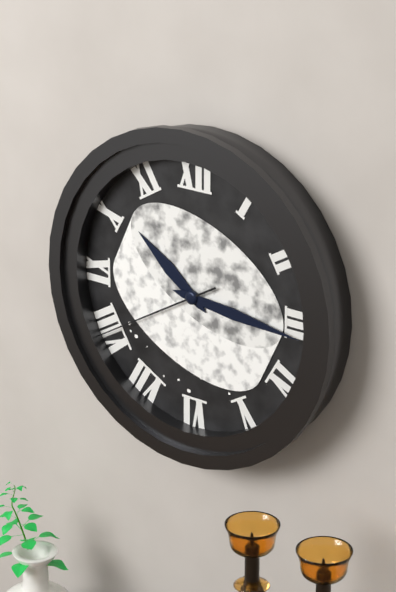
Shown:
h=10 m=16 s=40
